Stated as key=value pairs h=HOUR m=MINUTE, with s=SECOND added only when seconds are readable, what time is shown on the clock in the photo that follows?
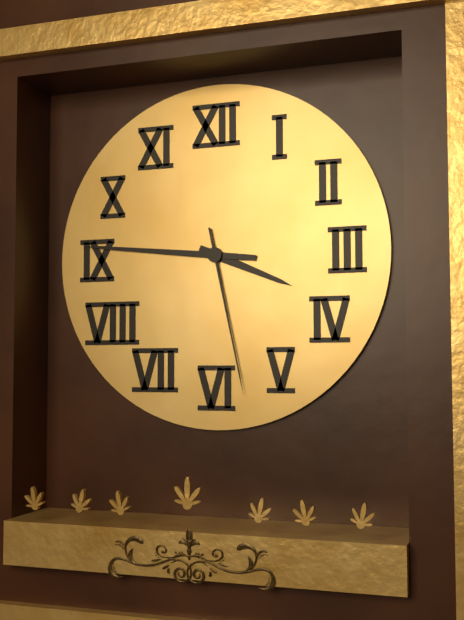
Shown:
h=3 m=46 s=28
